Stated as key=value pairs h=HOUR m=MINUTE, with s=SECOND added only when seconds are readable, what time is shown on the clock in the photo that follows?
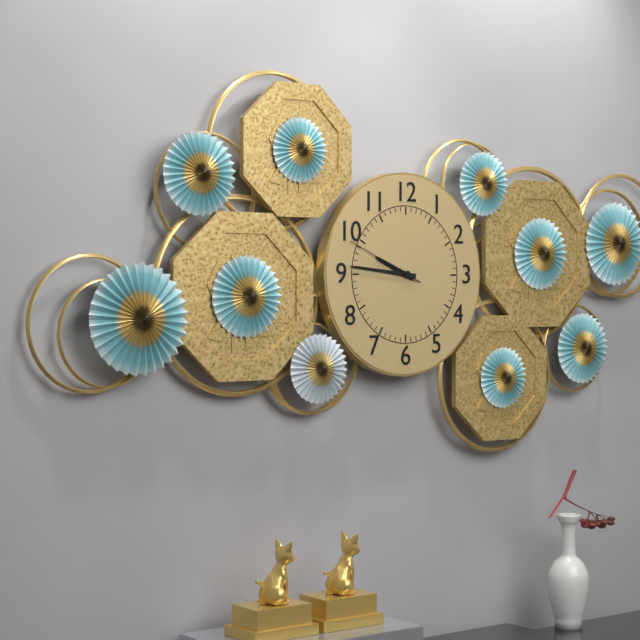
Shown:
h=9 m=46 s=49
